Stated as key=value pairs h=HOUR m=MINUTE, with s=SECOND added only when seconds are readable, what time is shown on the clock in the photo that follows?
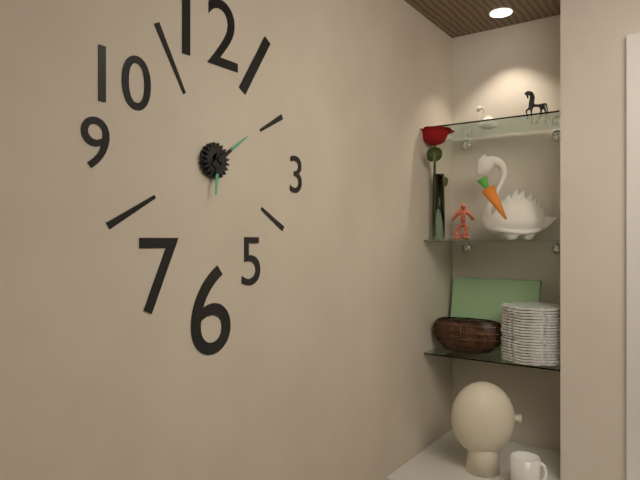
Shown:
h=6 m=9
